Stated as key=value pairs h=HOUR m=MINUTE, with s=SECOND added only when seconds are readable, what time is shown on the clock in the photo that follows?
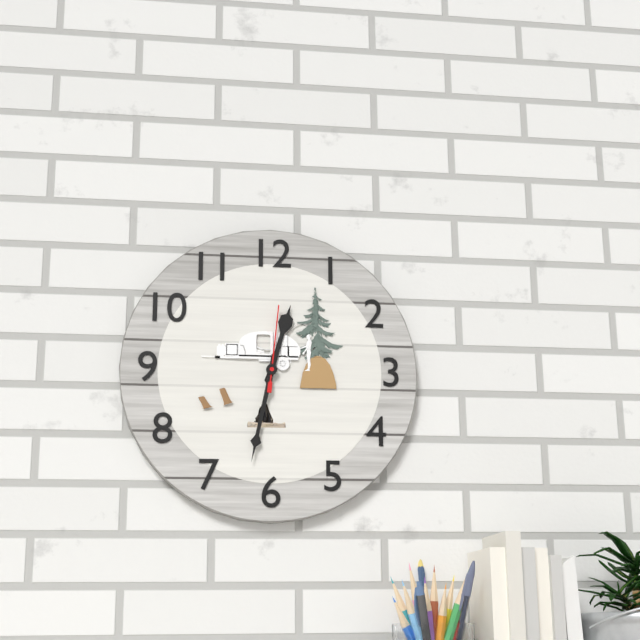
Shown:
h=12 m=32 s=1
